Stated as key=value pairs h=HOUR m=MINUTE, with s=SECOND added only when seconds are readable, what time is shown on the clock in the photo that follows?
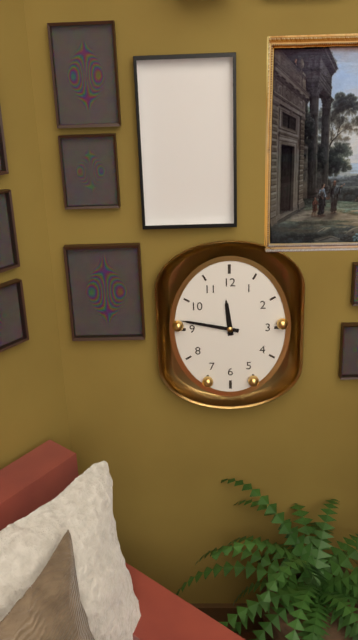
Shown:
h=11 m=47
